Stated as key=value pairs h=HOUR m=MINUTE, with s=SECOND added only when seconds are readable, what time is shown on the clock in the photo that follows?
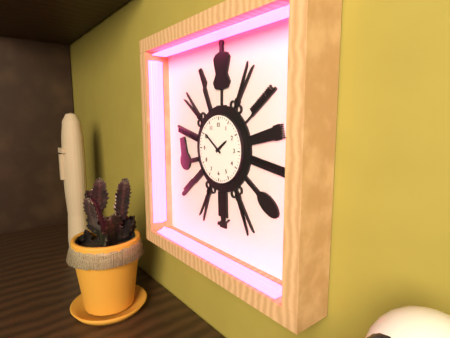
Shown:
h=1 m=51
